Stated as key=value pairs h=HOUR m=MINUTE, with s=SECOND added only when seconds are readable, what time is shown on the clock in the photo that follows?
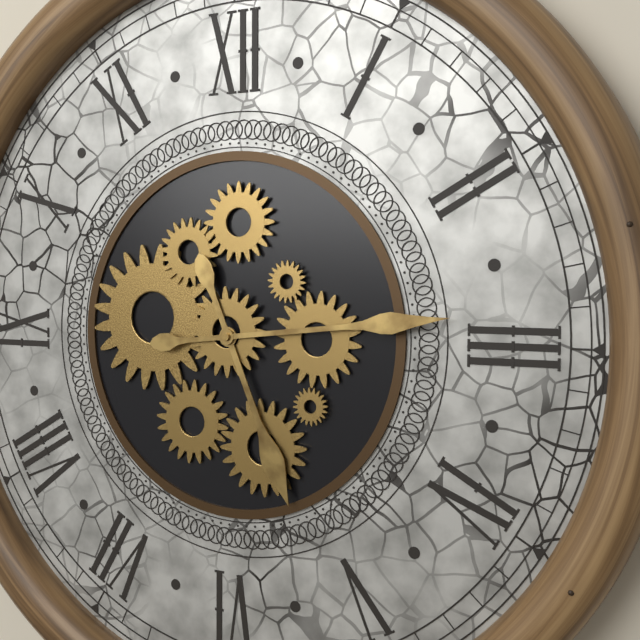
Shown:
h=5 m=14
